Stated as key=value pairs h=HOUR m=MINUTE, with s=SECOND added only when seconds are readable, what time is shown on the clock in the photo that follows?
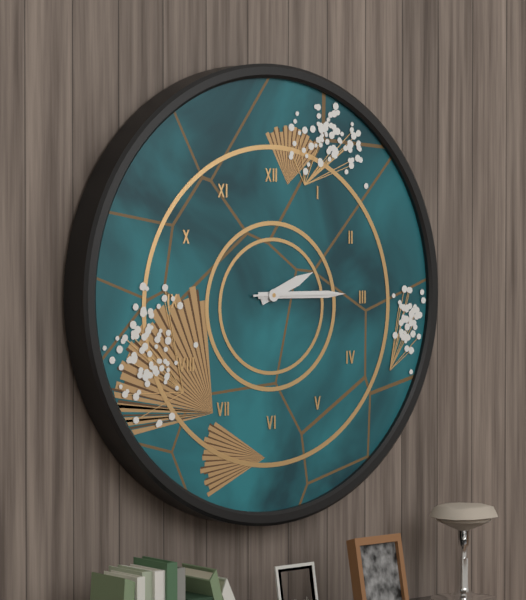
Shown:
h=2 m=15 s=15
